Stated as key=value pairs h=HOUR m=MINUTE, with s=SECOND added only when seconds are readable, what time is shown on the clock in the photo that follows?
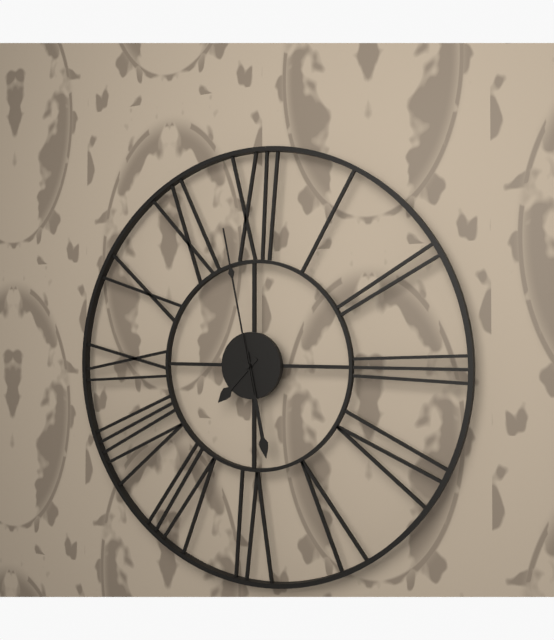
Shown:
h=7 m=28 s=58
